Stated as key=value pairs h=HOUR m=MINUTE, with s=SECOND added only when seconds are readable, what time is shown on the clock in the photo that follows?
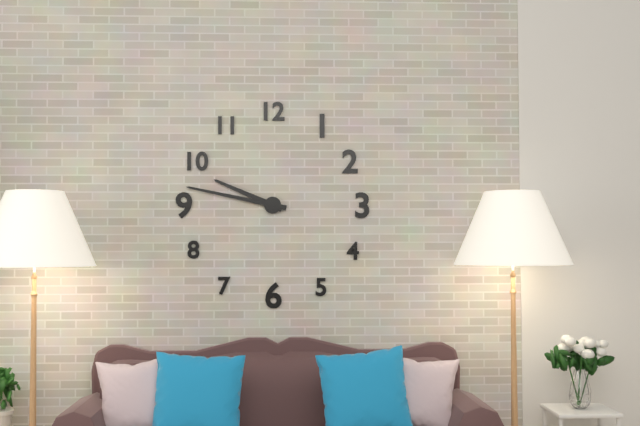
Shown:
h=9 m=47
